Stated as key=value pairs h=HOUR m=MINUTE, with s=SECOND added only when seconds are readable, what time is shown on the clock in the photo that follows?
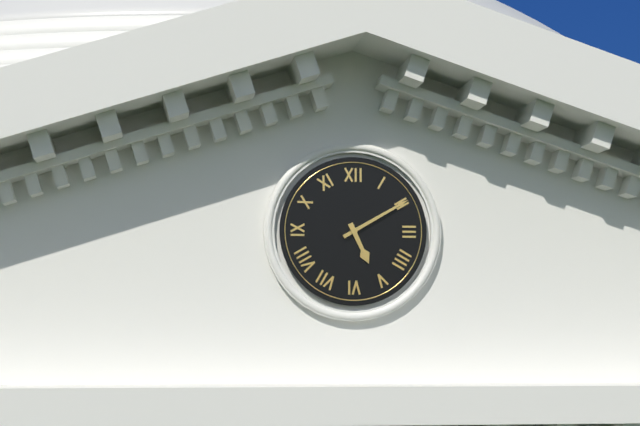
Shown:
h=5 m=10
